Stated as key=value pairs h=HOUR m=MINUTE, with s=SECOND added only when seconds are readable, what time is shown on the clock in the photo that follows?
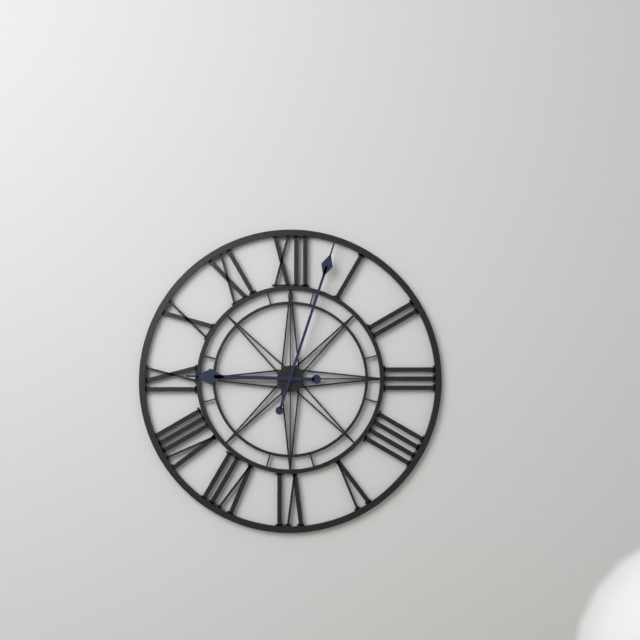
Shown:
h=9 m=3
